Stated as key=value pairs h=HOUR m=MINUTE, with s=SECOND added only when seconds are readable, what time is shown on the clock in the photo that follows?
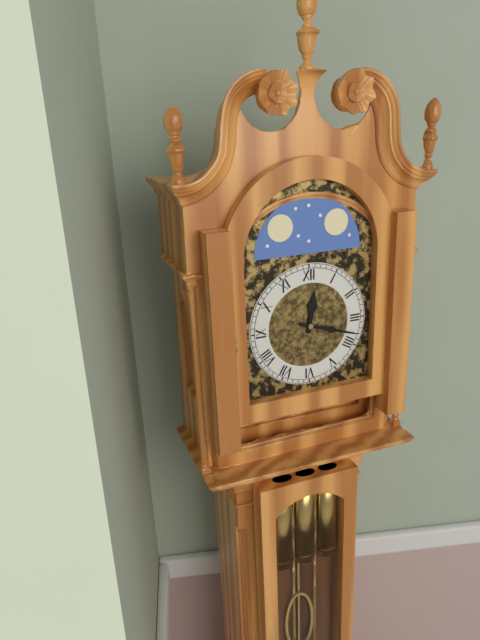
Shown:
h=12 m=18
